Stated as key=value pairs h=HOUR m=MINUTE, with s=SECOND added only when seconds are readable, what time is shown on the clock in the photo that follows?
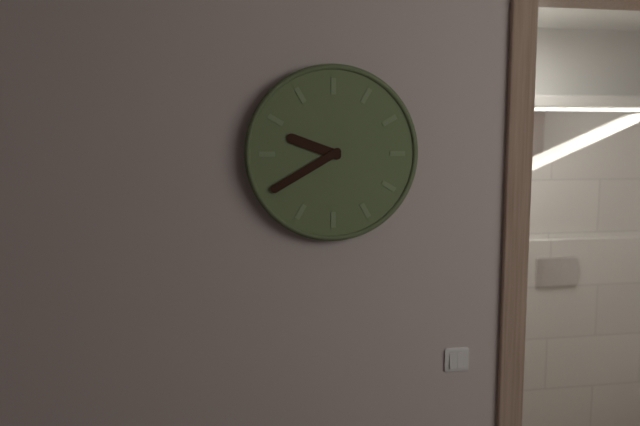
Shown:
h=9 m=40
